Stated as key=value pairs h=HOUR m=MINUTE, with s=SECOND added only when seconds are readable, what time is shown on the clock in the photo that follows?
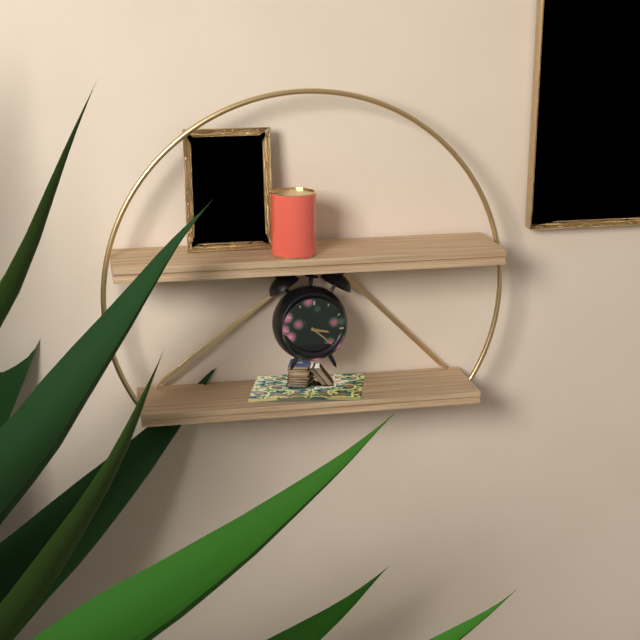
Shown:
h=3 m=22
